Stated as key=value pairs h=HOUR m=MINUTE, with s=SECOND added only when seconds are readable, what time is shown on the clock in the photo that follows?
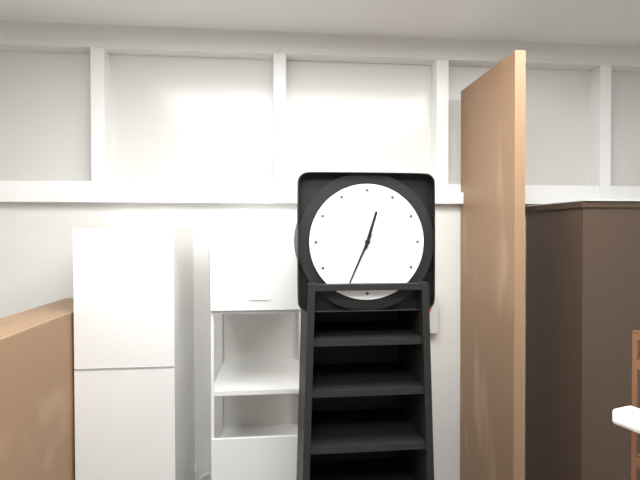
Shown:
h=12 m=34
